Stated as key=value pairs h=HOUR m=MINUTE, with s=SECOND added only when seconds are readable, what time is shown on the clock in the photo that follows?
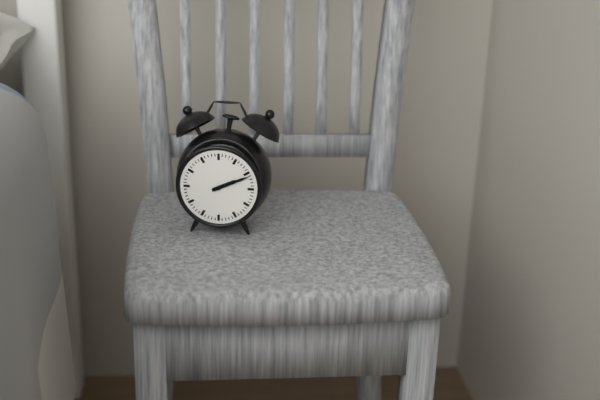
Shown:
h=2 m=11
